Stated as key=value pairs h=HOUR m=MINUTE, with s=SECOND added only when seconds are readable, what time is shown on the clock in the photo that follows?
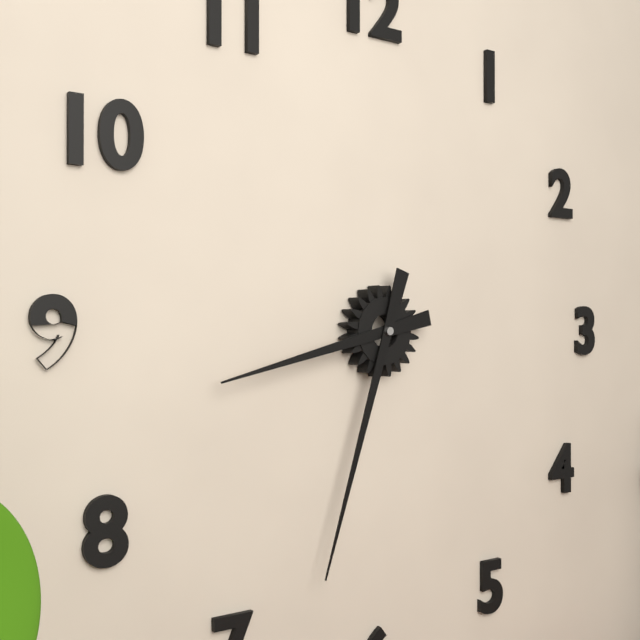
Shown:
h=8 m=33
